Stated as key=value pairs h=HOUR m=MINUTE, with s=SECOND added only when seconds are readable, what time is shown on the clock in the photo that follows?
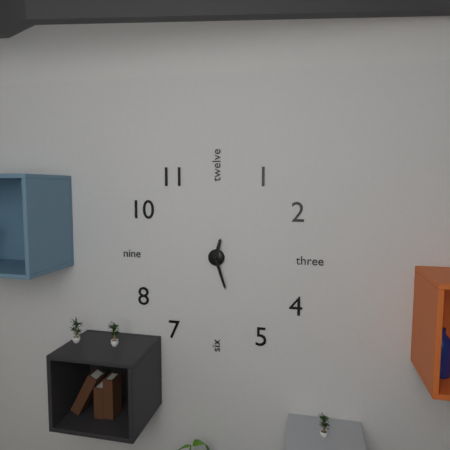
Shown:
h=12 m=27
